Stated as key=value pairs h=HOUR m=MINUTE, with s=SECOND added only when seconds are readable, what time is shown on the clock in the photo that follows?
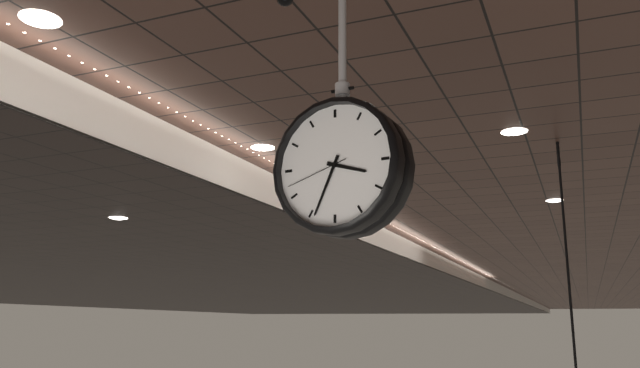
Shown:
h=3 m=34 s=42
